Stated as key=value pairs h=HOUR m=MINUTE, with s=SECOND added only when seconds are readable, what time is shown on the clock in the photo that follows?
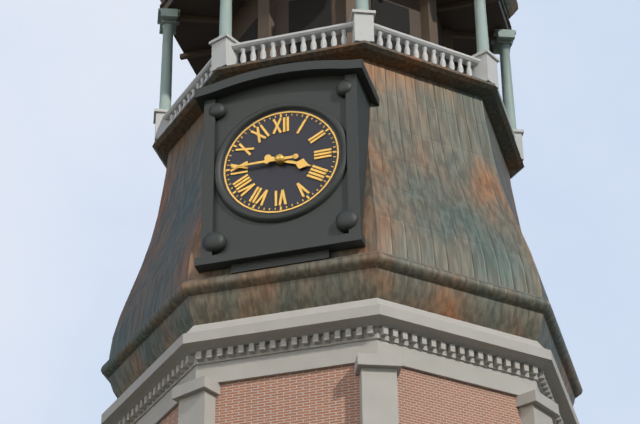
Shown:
h=3 m=45
